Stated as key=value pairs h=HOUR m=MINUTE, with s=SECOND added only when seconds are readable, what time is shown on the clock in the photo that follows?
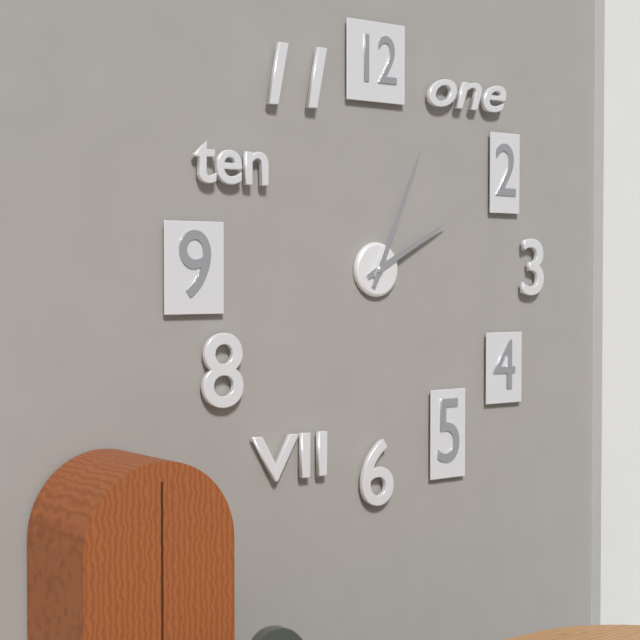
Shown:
h=2 m=4
